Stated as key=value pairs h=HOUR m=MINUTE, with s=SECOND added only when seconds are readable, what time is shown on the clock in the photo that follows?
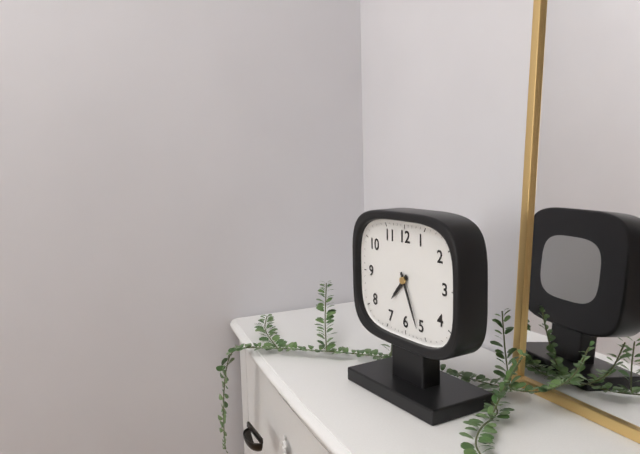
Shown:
h=7 m=26
